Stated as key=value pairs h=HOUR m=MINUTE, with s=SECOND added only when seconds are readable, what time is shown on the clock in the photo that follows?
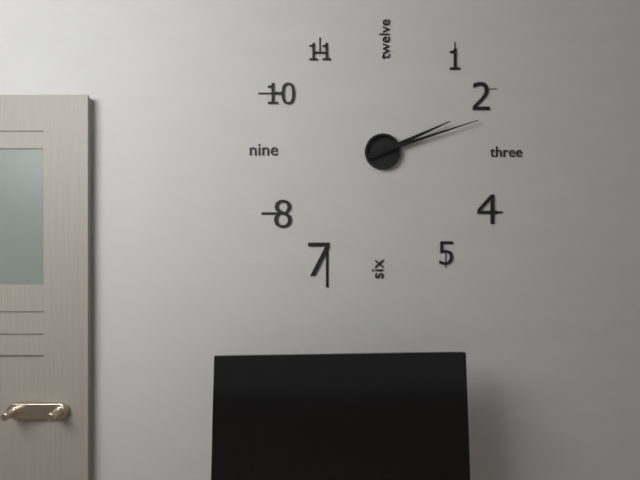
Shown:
h=2 m=12
